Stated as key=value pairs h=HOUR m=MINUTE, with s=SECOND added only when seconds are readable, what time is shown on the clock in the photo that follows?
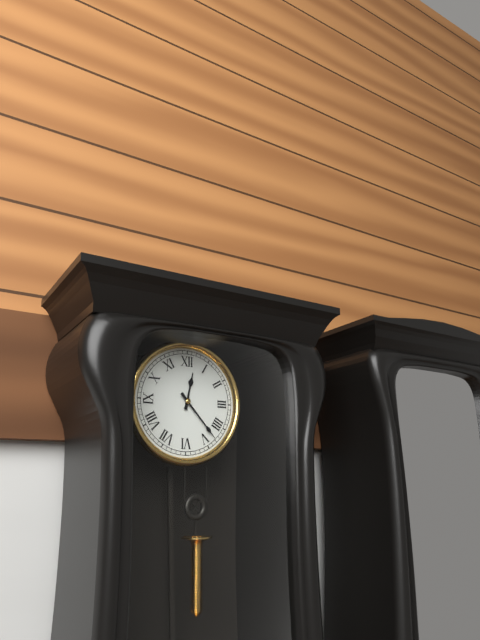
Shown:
h=12 m=23
